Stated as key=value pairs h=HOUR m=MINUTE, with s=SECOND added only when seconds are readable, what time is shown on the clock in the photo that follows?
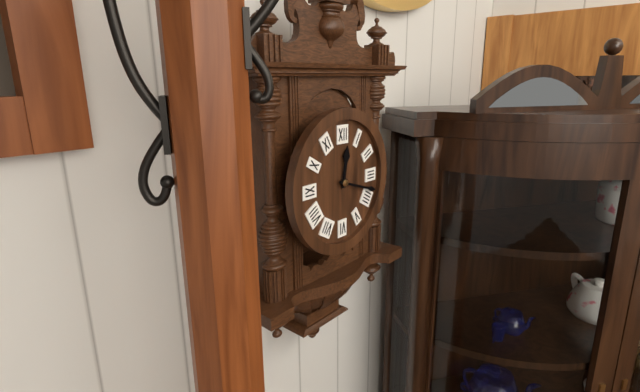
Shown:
h=12 m=18
